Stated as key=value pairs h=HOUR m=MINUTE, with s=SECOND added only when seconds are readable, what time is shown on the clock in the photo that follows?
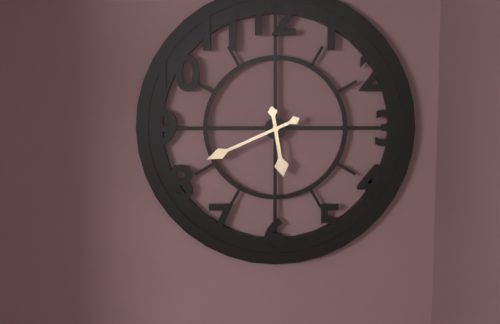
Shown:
h=5 m=41
